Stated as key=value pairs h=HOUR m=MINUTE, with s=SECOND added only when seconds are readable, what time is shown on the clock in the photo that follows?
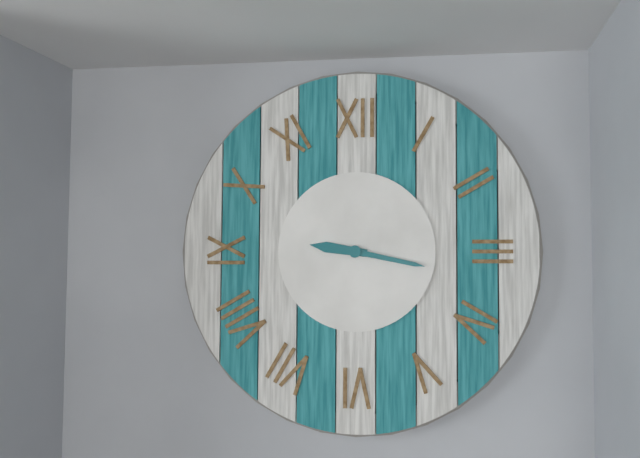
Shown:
h=9 m=17
